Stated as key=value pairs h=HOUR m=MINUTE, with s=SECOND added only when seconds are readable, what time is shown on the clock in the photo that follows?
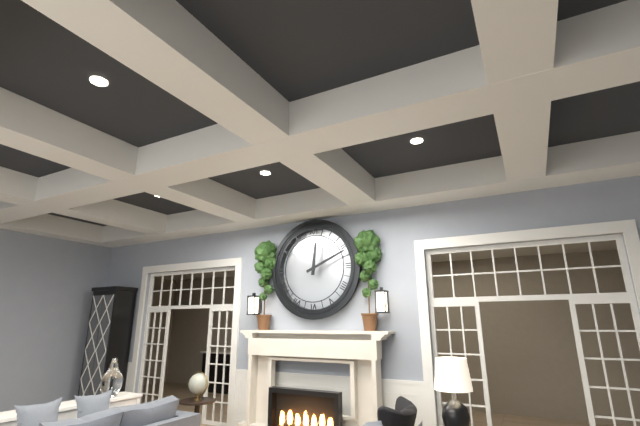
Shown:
h=12 m=11
